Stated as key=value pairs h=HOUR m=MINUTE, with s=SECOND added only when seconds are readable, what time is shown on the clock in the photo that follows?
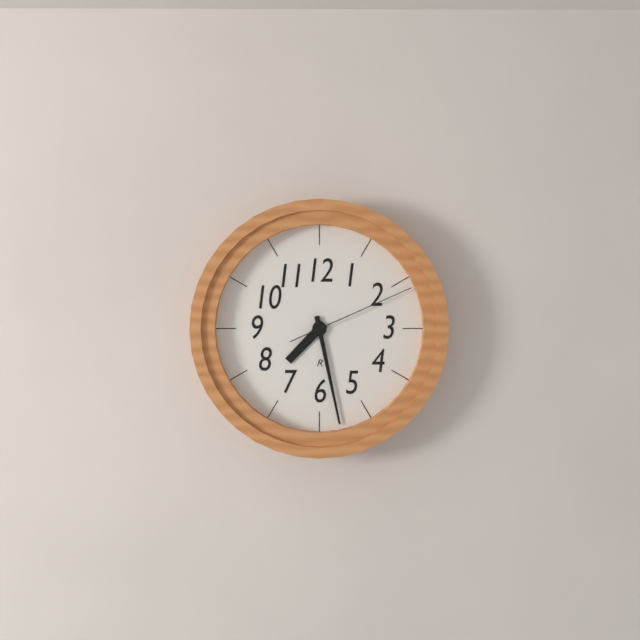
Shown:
h=7 m=28 s=11
